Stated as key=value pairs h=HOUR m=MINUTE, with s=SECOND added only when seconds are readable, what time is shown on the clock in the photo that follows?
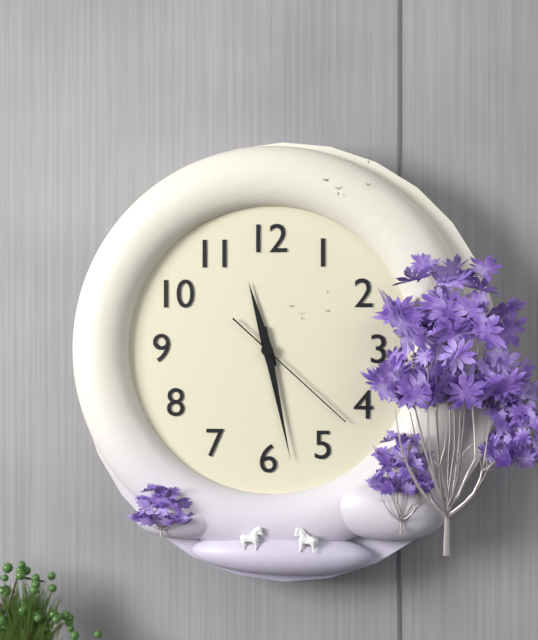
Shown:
h=11 m=28 s=22
